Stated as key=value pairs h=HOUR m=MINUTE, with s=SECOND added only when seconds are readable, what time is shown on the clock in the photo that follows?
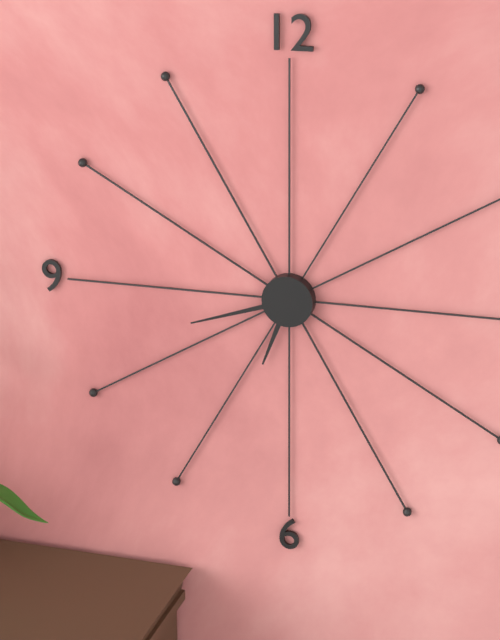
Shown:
h=6 m=42
